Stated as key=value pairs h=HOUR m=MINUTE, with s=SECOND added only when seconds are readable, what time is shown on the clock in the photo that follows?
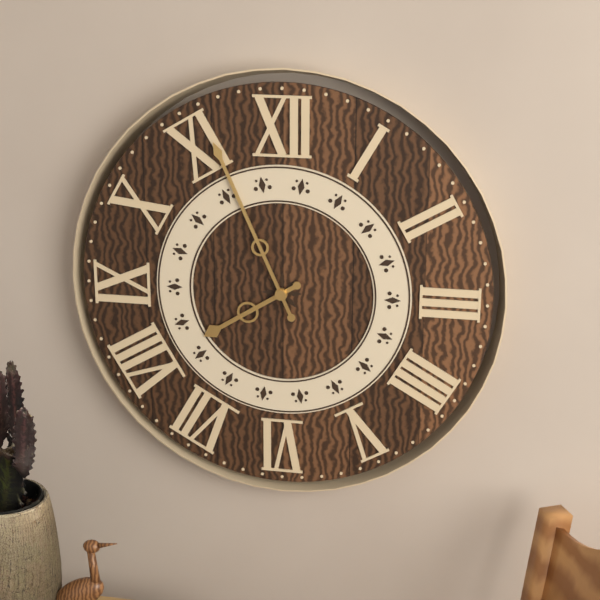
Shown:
h=7 m=56
